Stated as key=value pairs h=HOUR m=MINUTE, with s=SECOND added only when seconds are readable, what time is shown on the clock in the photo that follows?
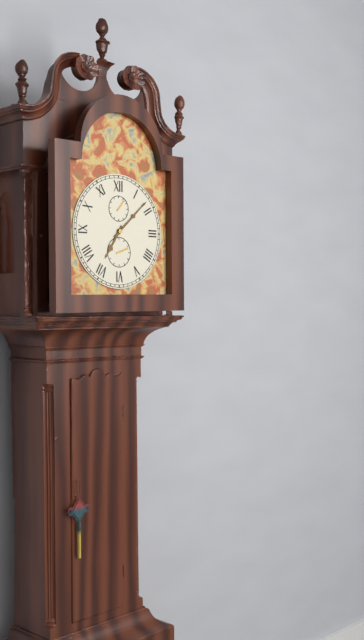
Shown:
h=7 m=8
